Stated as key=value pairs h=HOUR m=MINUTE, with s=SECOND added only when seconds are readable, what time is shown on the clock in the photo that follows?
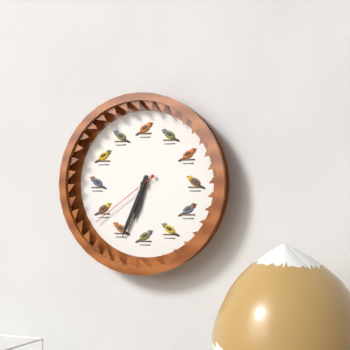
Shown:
h=6 m=34 s=39
